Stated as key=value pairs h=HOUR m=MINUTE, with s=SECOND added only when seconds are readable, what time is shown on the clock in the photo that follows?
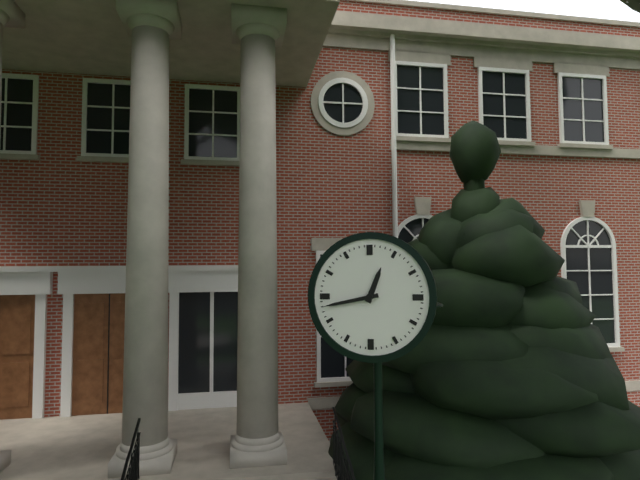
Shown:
h=12 m=43
